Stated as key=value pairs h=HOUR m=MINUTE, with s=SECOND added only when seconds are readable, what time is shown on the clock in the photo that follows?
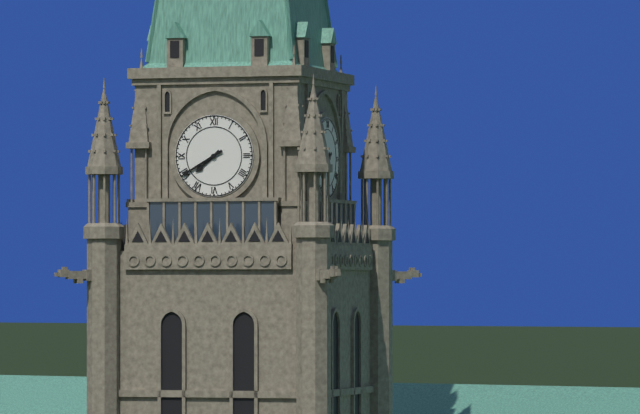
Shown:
h=7 m=40
